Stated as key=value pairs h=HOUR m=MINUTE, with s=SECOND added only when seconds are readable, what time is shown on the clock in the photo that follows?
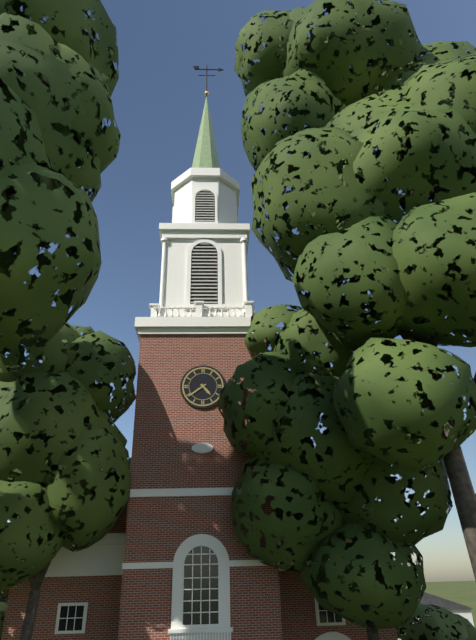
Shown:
h=4 m=39
